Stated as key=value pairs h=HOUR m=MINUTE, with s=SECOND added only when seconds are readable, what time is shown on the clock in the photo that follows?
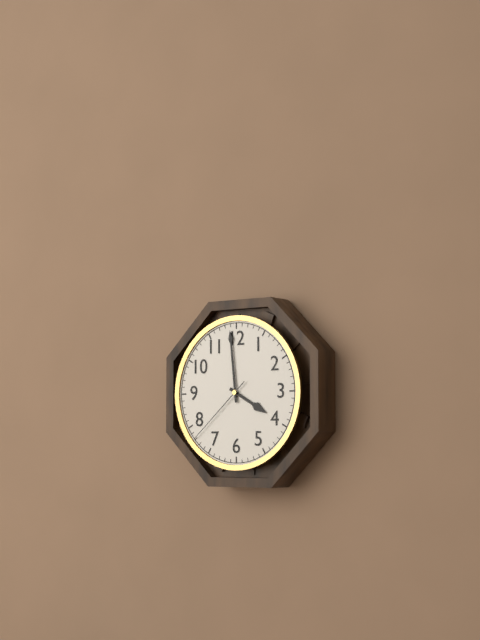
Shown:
h=3 m=59 s=38
